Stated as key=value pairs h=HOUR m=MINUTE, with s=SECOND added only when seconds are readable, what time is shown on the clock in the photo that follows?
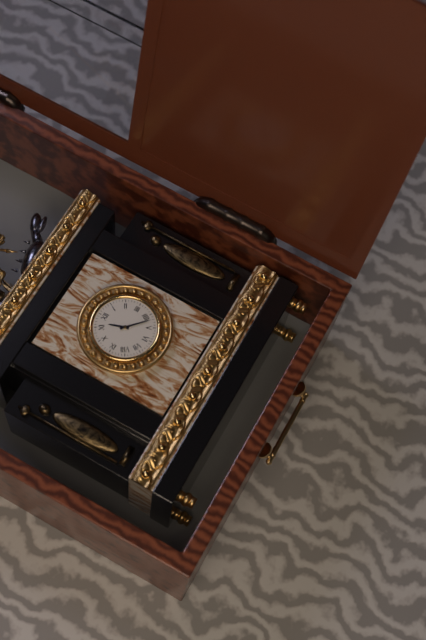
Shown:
h=11 m=22
